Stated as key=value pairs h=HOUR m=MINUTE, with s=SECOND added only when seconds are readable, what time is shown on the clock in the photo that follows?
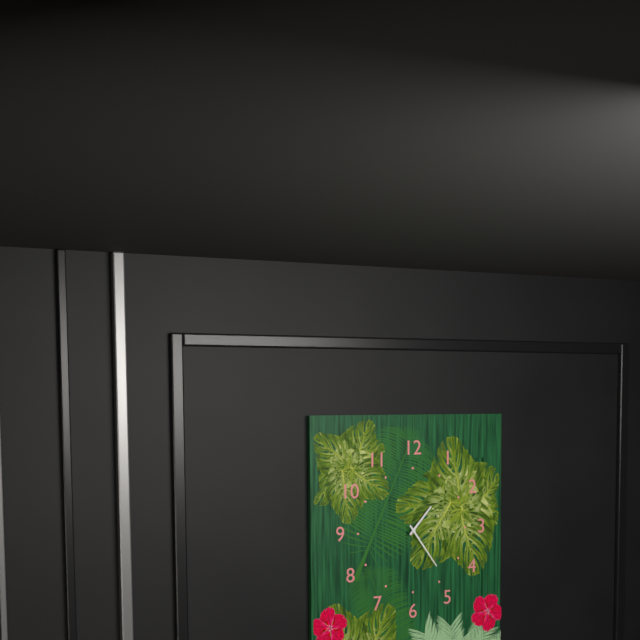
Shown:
h=1 m=24
